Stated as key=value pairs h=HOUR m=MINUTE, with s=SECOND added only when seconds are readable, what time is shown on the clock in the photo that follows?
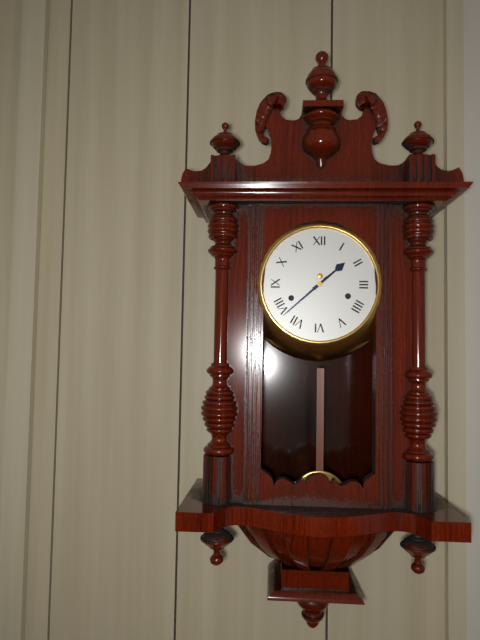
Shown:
h=1 m=38
